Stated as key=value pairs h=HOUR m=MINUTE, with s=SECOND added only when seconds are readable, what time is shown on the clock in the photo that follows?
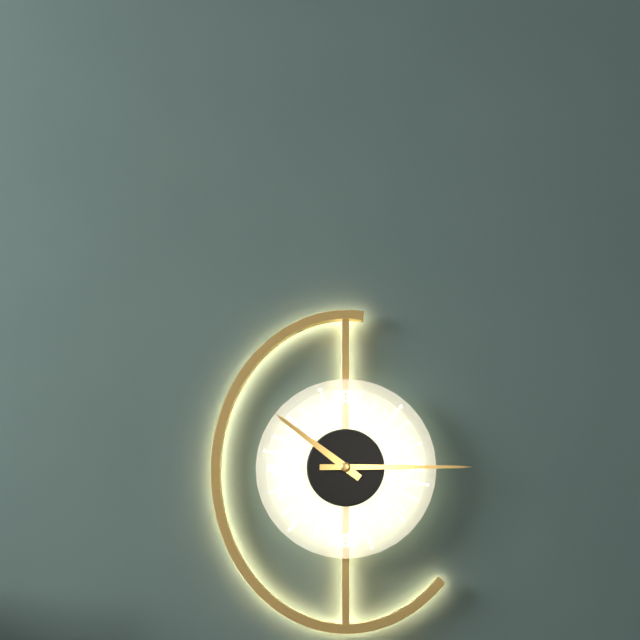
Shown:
h=10 m=15
